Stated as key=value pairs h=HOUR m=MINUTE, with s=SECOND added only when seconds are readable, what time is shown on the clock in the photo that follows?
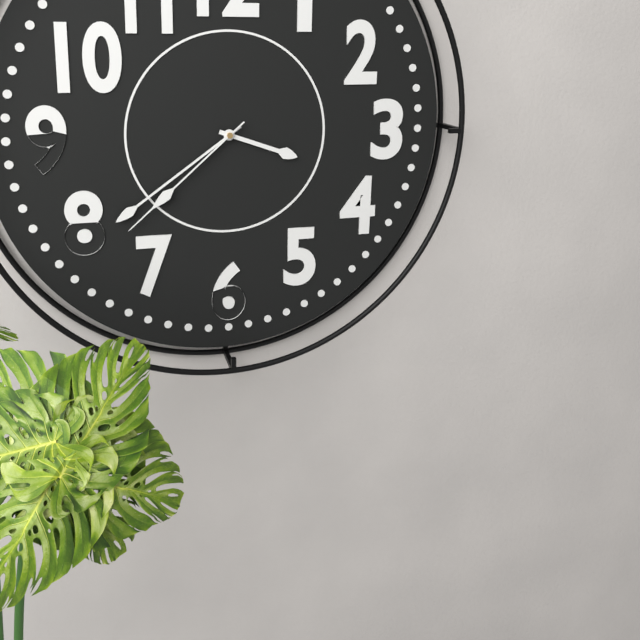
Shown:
h=3 m=39 s=38
